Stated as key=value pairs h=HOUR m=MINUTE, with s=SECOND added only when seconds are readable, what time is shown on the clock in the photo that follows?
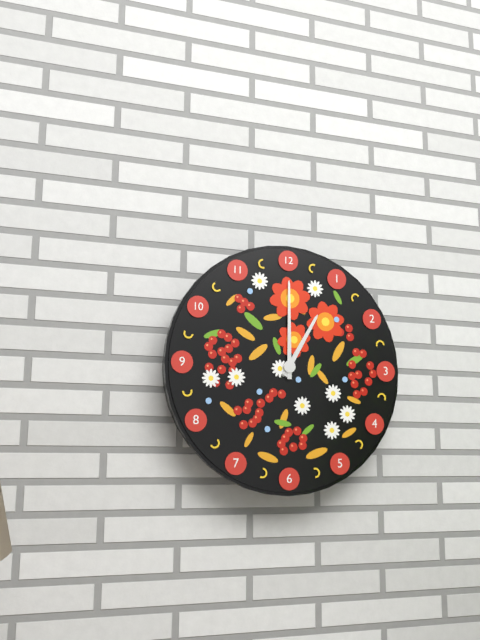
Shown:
h=1 m=0
